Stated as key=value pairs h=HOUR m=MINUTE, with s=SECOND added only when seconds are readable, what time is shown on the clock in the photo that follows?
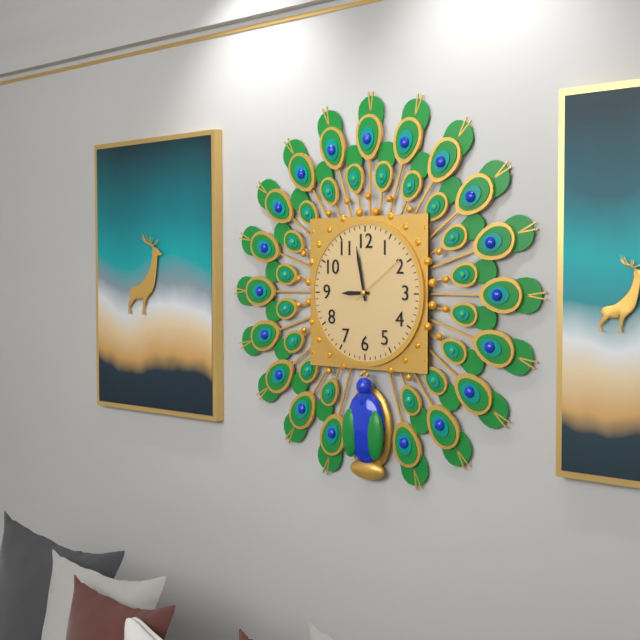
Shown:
h=8 m=58 s=9
